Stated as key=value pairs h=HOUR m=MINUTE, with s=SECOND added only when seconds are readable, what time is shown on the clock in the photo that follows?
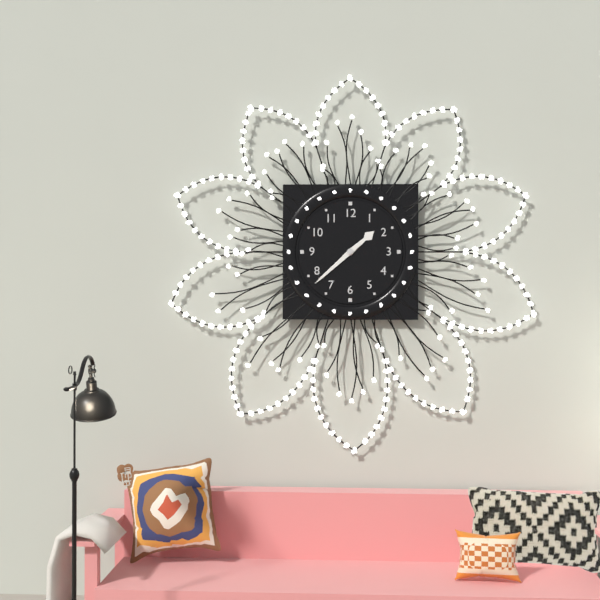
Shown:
h=1 m=38
